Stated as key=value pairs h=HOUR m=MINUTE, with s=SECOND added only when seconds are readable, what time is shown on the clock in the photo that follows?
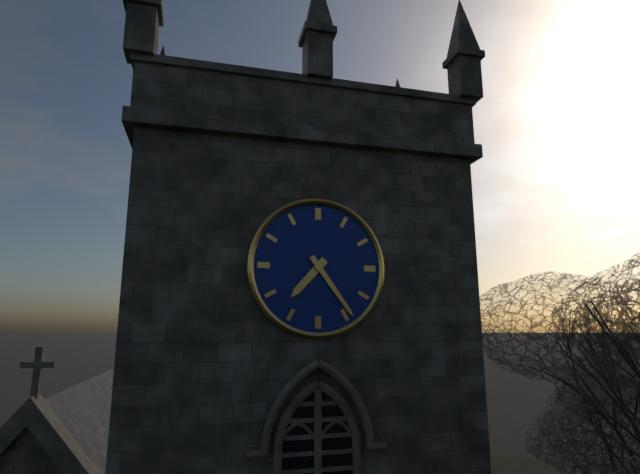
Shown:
h=7 m=24
